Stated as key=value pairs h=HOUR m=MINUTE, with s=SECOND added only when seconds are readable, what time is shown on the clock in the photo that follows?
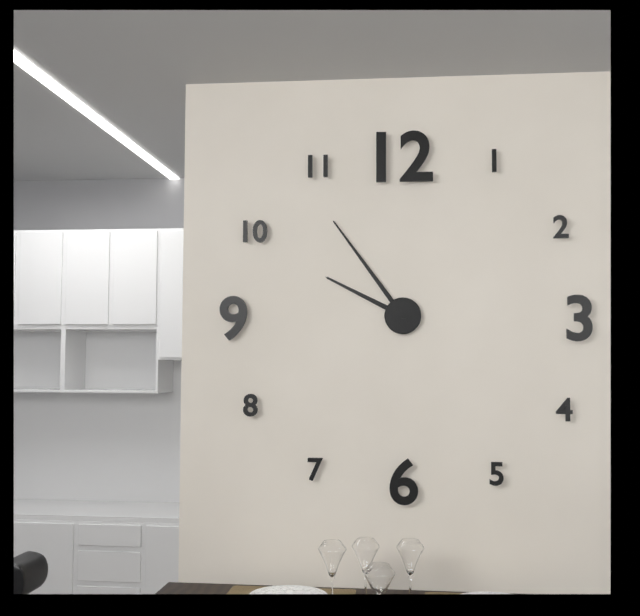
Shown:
h=9 m=54
